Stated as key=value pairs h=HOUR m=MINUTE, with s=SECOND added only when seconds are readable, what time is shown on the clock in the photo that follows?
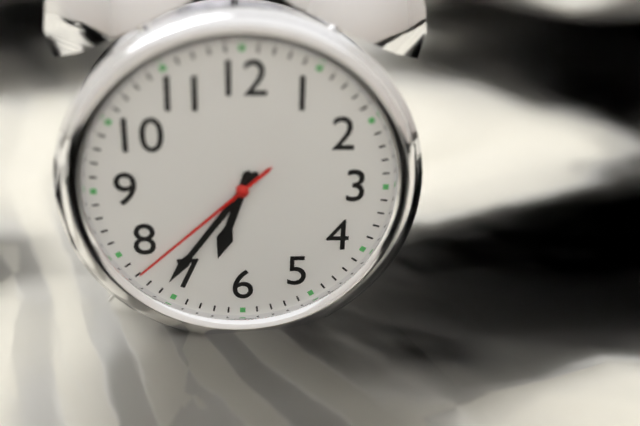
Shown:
h=6 m=36 s=38
